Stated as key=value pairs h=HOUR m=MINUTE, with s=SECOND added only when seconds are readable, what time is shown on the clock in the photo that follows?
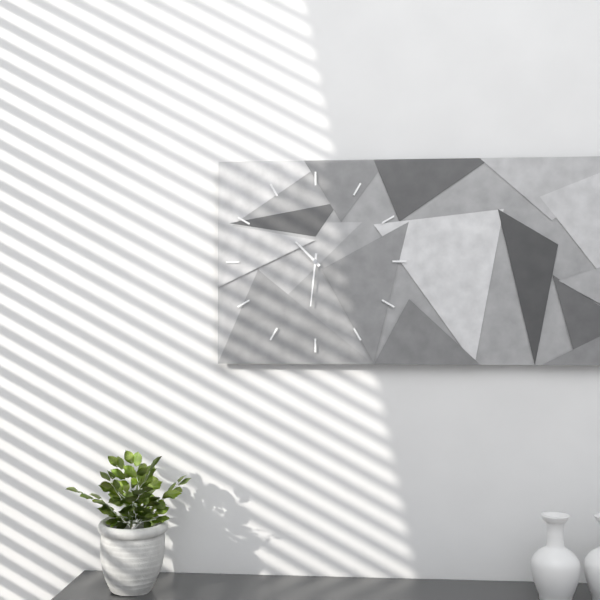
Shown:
h=10 m=31
